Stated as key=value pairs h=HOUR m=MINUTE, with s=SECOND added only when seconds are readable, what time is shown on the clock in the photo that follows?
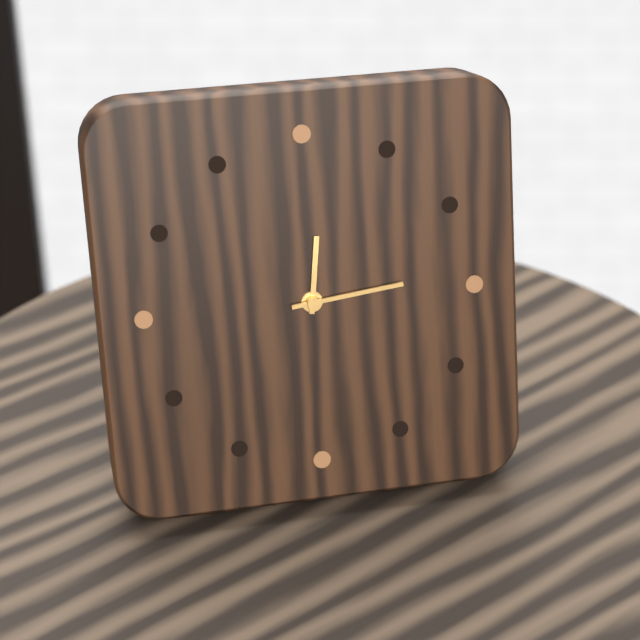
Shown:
h=12 m=14
